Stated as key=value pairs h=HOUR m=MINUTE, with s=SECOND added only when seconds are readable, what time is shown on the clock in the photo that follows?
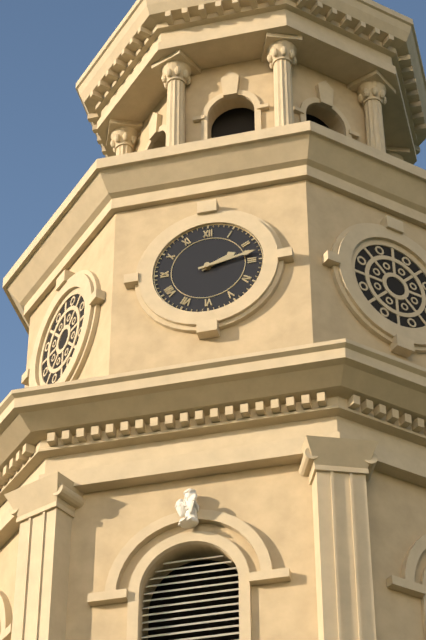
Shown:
h=2 m=13
